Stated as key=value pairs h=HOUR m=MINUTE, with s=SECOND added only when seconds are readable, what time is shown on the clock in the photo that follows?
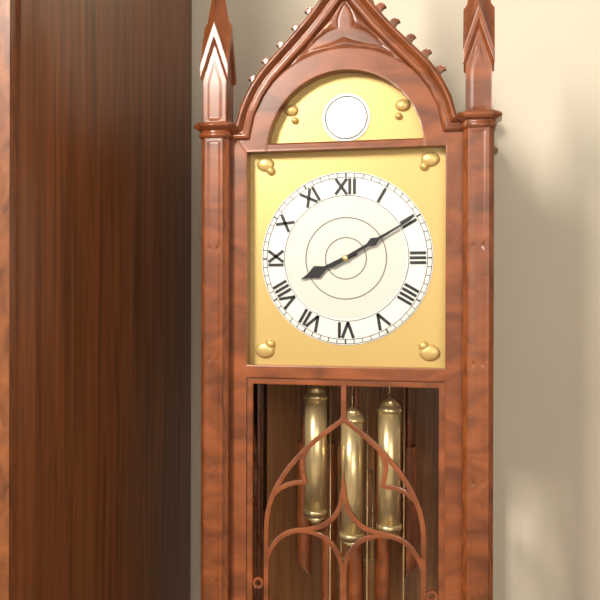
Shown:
h=8 m=10
